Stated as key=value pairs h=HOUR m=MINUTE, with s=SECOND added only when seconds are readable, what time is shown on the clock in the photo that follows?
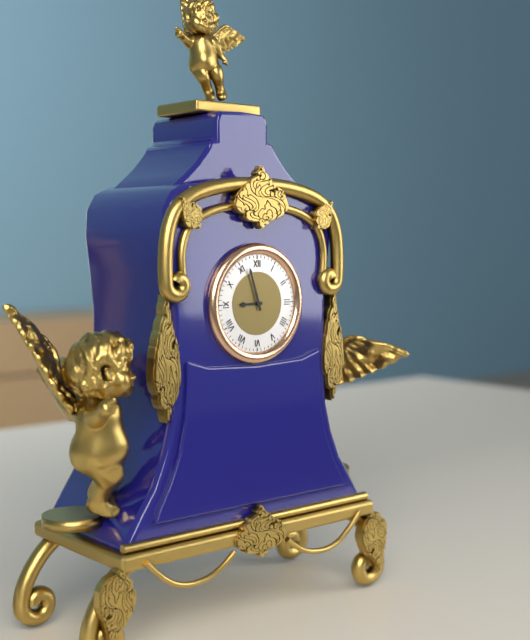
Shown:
h=8 m=57
